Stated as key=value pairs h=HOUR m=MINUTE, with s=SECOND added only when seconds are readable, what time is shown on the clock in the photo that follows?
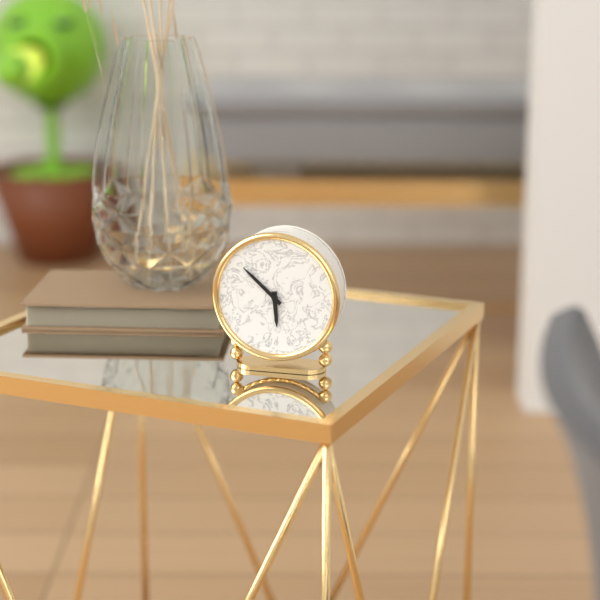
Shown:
h=5 m=52
